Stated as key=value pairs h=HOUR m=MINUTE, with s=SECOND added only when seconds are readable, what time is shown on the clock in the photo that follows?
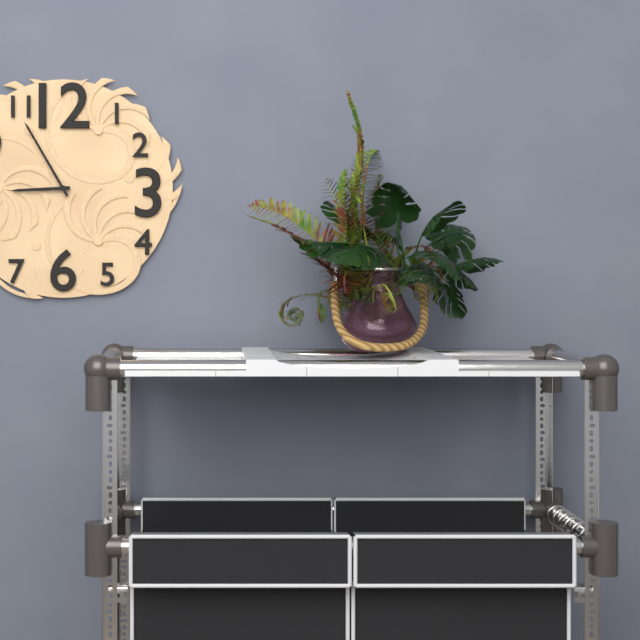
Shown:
h=8 m=55
